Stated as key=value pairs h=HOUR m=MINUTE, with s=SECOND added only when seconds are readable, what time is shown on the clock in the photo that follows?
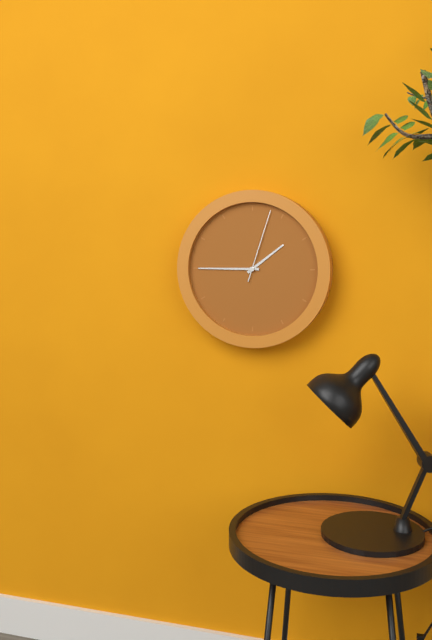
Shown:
h=1 m=45 s=3
